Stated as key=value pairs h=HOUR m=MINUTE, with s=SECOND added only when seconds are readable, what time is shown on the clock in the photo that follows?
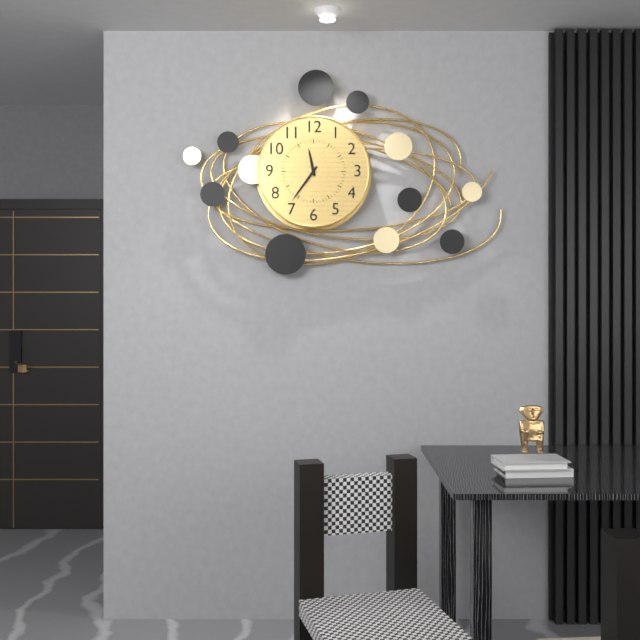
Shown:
h=11 m=36
